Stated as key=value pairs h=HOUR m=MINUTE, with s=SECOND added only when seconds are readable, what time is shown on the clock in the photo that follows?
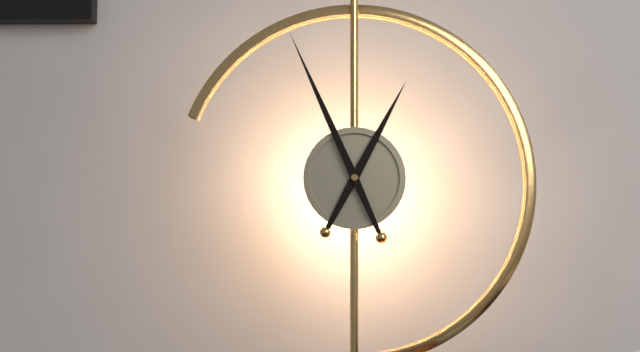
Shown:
h=12 m=56
